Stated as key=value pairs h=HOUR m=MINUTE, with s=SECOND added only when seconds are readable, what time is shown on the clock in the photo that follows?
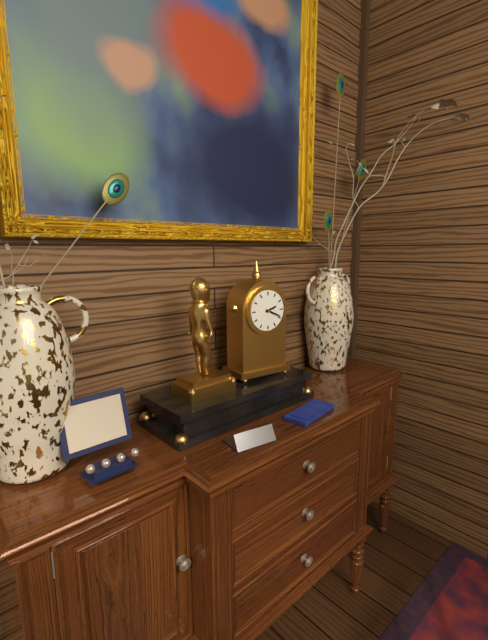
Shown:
h=2 m=19
